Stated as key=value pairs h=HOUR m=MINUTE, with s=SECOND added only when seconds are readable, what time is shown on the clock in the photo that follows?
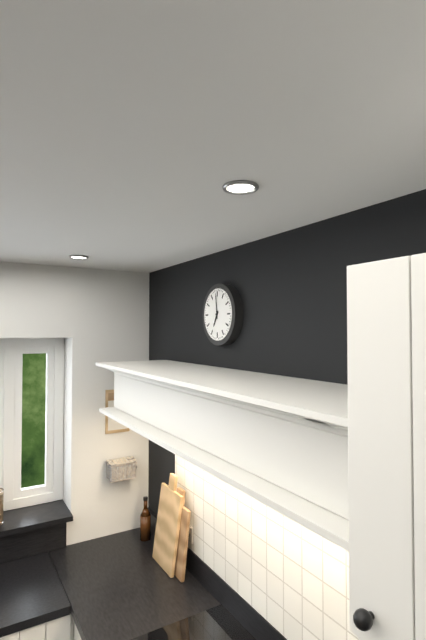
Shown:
h=6 m=59
